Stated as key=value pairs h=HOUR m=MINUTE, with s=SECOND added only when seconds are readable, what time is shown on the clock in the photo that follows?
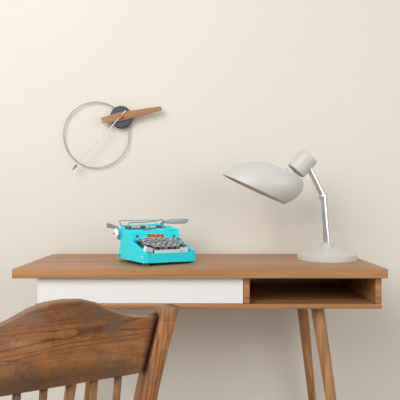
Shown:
h=2 m=37
